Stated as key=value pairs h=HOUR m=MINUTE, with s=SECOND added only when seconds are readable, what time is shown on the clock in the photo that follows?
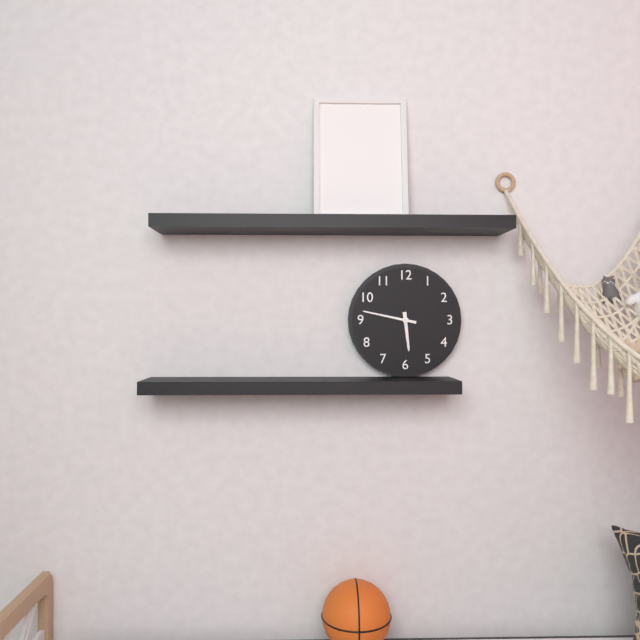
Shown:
h=5 m=47
